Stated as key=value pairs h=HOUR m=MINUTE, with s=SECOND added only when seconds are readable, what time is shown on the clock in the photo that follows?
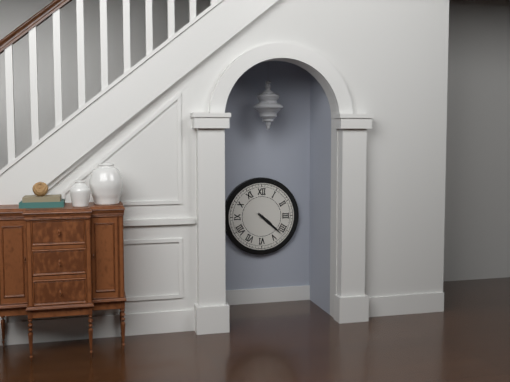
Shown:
h=4 m=22
